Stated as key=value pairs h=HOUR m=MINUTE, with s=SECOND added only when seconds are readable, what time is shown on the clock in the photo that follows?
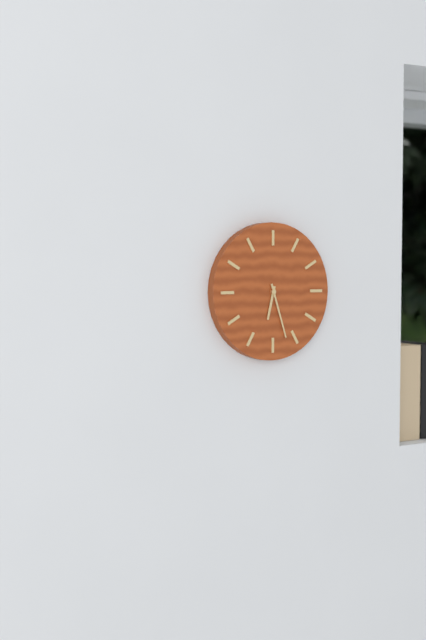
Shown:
h=6 m=27
